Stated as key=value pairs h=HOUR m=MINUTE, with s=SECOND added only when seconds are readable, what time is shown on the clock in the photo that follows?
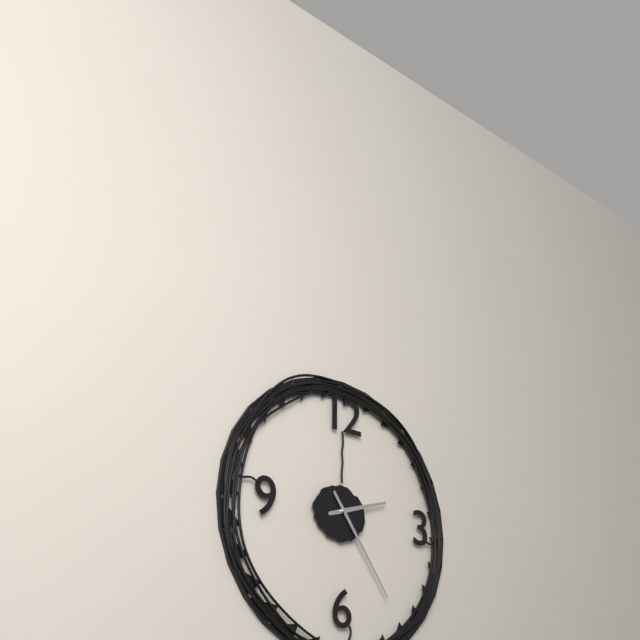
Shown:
h=2 m=24
